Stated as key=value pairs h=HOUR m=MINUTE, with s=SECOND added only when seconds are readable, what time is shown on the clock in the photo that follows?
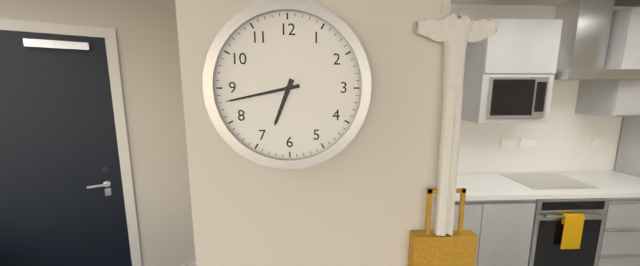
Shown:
h=6 m=43
